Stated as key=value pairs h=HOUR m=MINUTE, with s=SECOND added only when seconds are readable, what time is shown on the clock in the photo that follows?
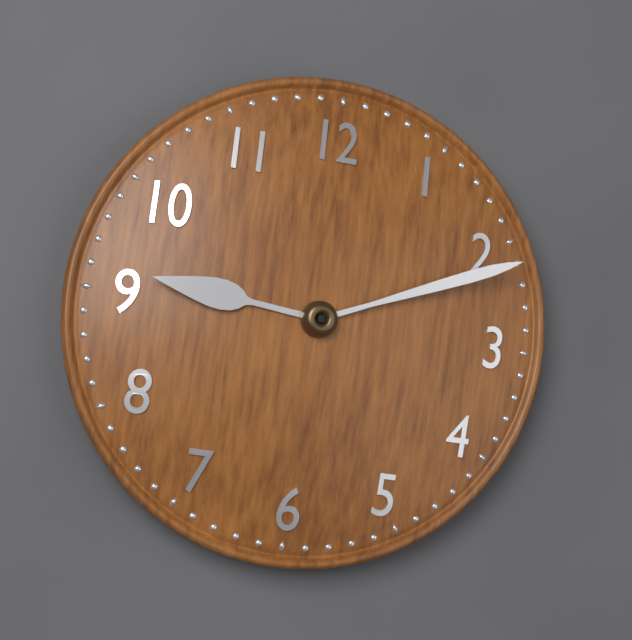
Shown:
h=9 m=11
